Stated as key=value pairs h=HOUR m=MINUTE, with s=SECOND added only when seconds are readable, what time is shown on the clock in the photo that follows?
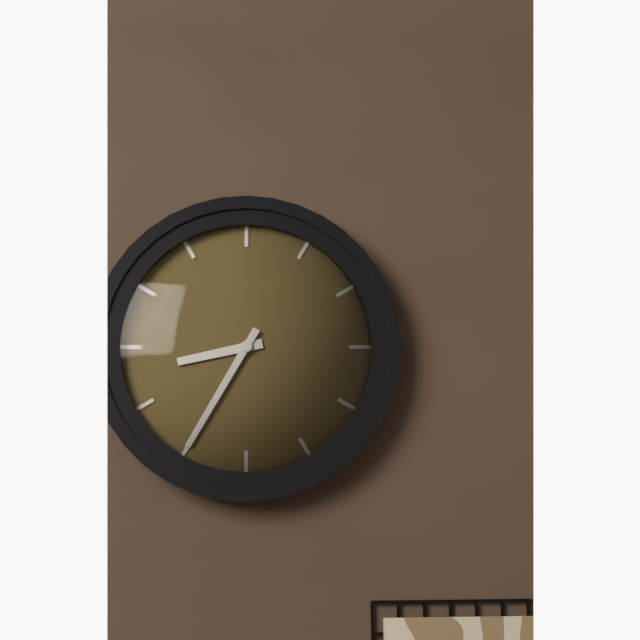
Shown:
h=8 m=35
